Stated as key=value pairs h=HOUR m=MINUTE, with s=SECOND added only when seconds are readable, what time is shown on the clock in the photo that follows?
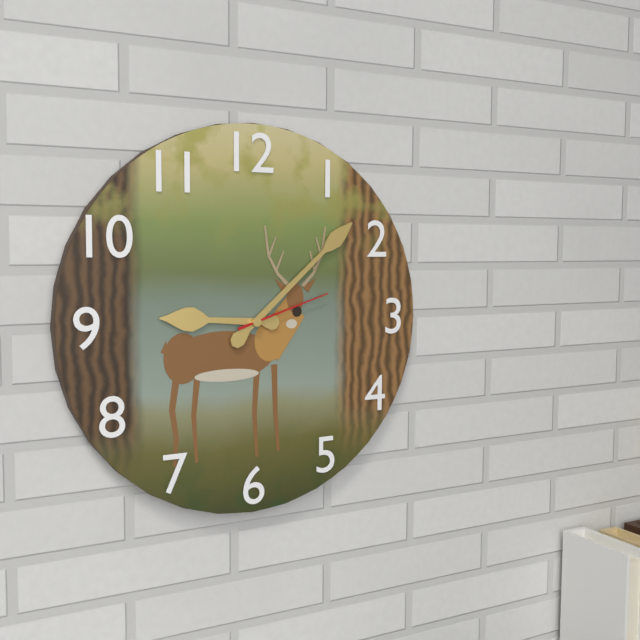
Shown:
h=9 m=8 s=12
